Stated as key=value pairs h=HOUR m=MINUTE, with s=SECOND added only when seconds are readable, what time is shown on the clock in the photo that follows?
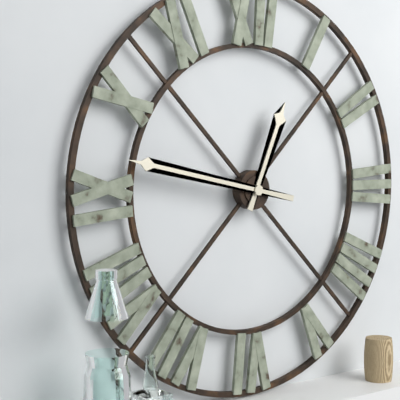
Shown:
h=12 m=47
